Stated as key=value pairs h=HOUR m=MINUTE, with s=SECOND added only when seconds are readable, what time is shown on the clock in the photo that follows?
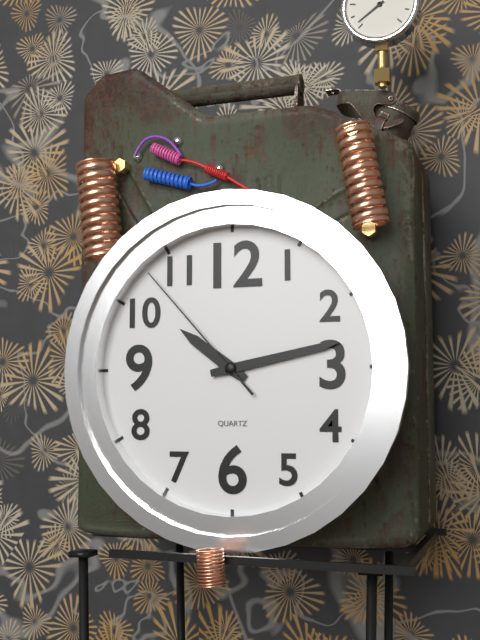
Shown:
h=10 m=13 s=53
